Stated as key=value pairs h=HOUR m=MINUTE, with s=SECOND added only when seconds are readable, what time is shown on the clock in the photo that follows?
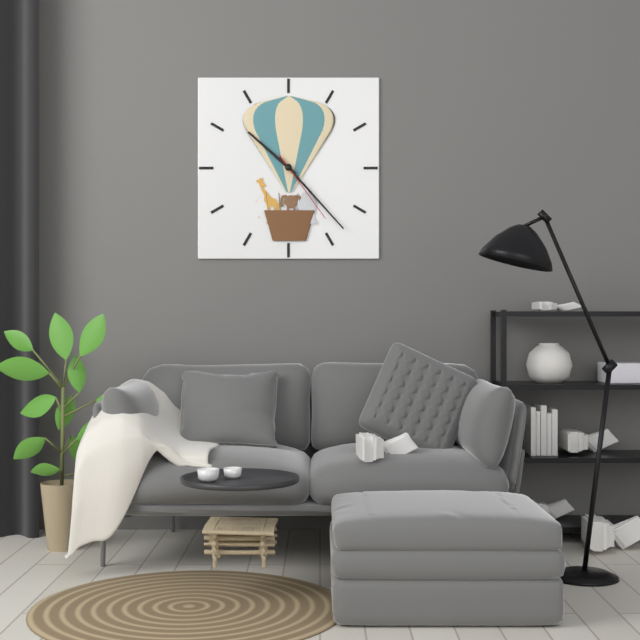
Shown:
h=10 m=23 s=24
